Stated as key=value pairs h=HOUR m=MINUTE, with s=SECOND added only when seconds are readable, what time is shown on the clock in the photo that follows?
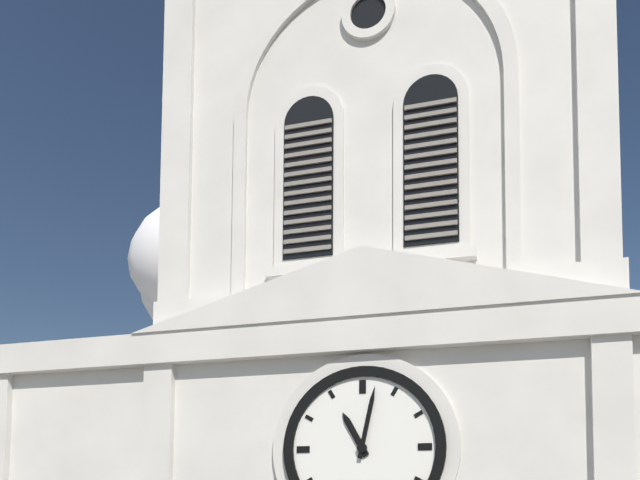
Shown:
h=11 m=2
